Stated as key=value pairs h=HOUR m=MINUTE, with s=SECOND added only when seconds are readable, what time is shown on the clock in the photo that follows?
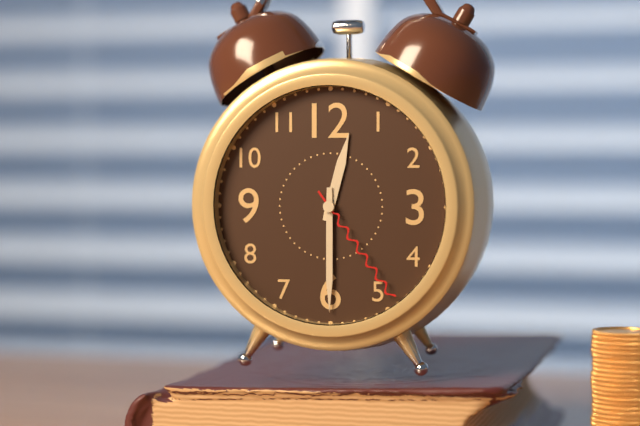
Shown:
h=12 m=30 s=24
